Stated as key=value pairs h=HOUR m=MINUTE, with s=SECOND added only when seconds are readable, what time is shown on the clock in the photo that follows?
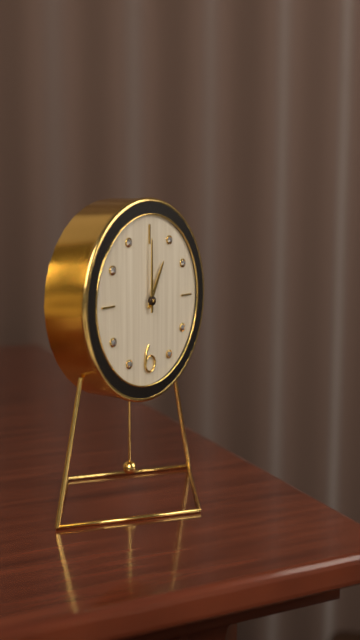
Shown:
h=1 m=0
